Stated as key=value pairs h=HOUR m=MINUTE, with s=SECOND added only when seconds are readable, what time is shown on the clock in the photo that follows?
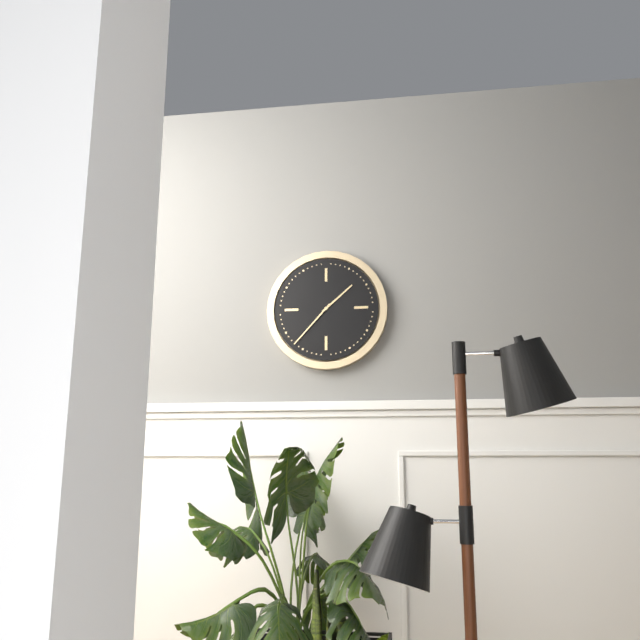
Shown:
h=1 m=37
